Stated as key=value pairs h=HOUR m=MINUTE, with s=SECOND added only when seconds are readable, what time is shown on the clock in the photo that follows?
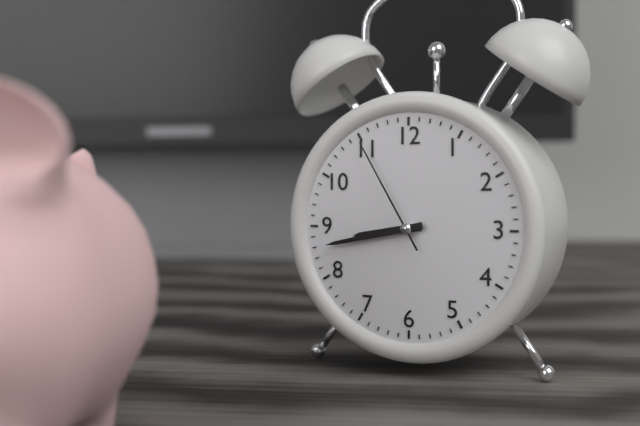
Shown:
h=8 m=43 s=55
